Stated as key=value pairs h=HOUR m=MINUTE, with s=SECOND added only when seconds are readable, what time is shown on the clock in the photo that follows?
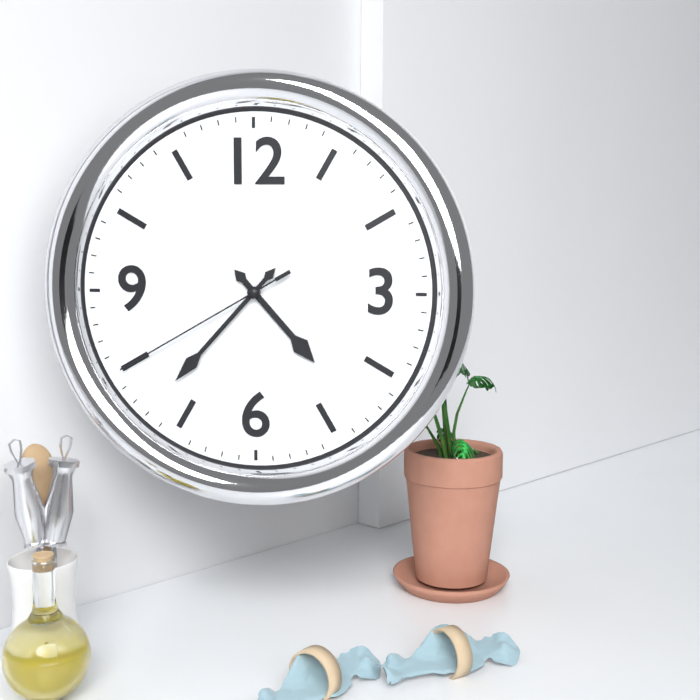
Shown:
h=4 m=37 s=40
